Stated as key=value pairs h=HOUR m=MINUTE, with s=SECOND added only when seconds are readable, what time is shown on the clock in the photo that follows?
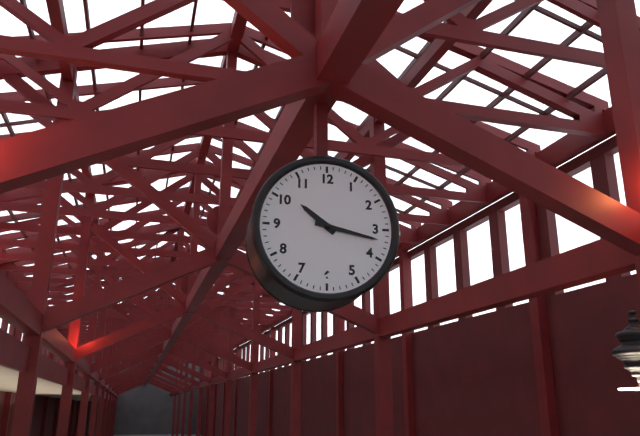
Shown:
h=10 m=17
